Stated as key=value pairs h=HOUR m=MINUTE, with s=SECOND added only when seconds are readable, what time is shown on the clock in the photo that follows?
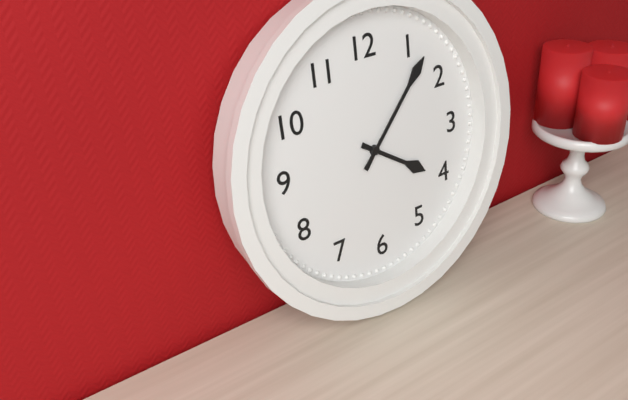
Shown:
h=4 m=7
